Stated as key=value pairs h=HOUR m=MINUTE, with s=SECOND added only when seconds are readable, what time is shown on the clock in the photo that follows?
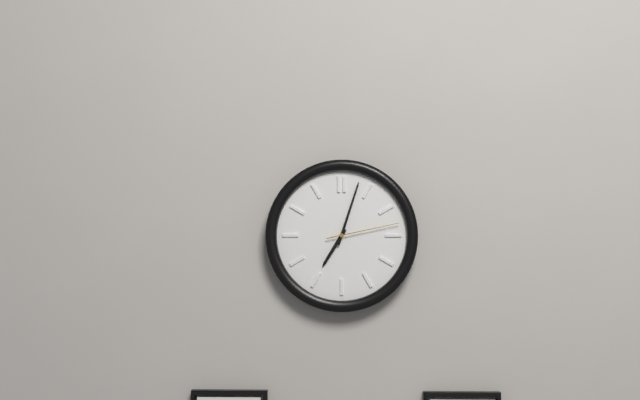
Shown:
h=7 m=3 s=13
